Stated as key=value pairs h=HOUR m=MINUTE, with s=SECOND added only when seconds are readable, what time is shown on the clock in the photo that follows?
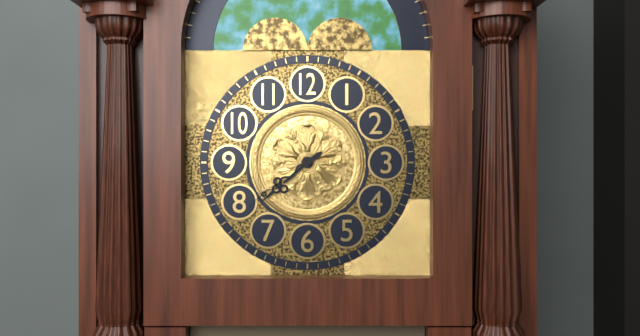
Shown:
h=7 m=39
